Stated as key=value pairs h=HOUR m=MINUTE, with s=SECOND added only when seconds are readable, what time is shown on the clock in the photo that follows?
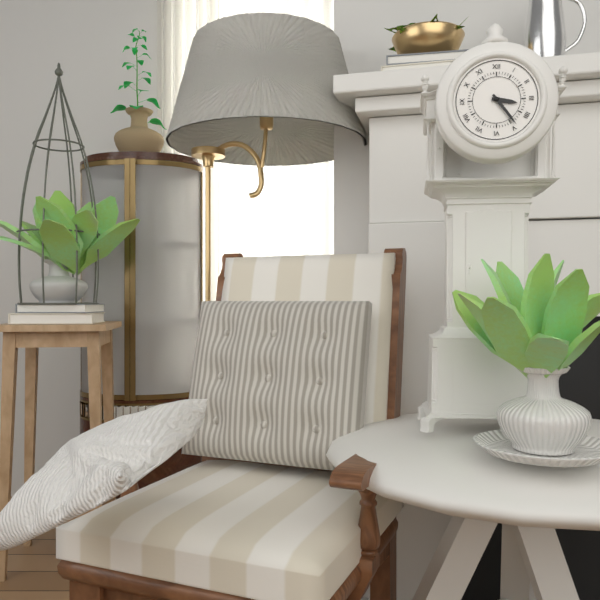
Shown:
h=3 m=24
